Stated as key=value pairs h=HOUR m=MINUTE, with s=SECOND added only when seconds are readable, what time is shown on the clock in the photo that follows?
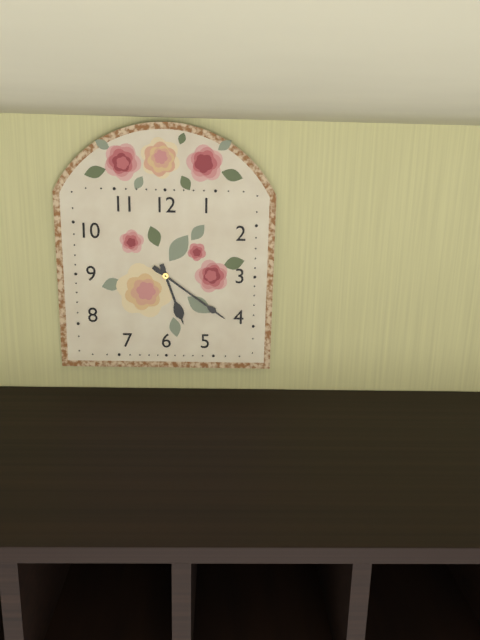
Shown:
h=5 m=21
